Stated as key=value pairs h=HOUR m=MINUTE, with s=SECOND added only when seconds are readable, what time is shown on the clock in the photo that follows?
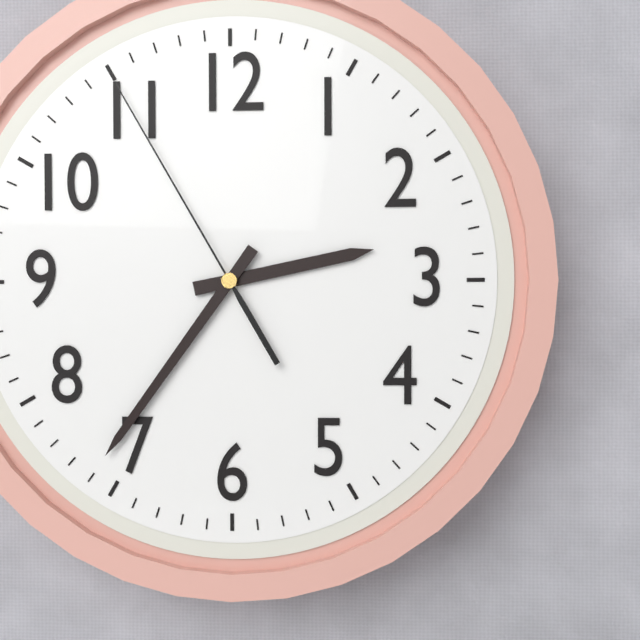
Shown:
h=2 m=36 s=55
